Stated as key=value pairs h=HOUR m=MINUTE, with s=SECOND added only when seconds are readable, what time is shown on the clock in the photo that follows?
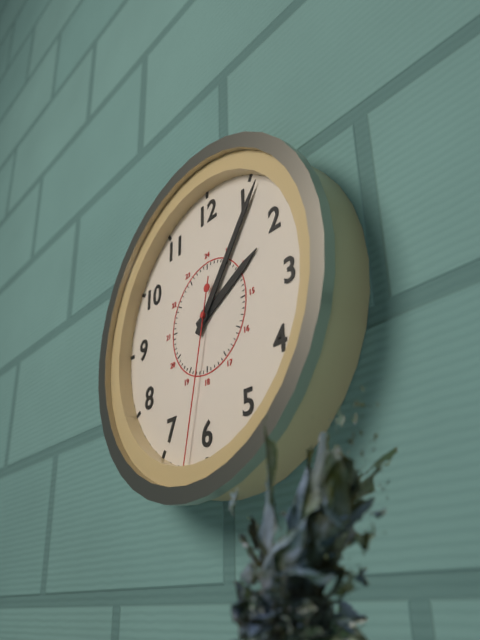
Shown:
h=2 m=6 s=32
